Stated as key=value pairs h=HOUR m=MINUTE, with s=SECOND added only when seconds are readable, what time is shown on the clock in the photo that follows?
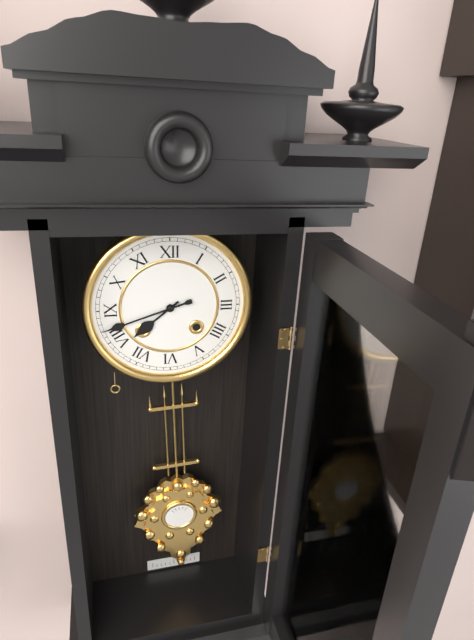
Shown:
h=7 m=42
